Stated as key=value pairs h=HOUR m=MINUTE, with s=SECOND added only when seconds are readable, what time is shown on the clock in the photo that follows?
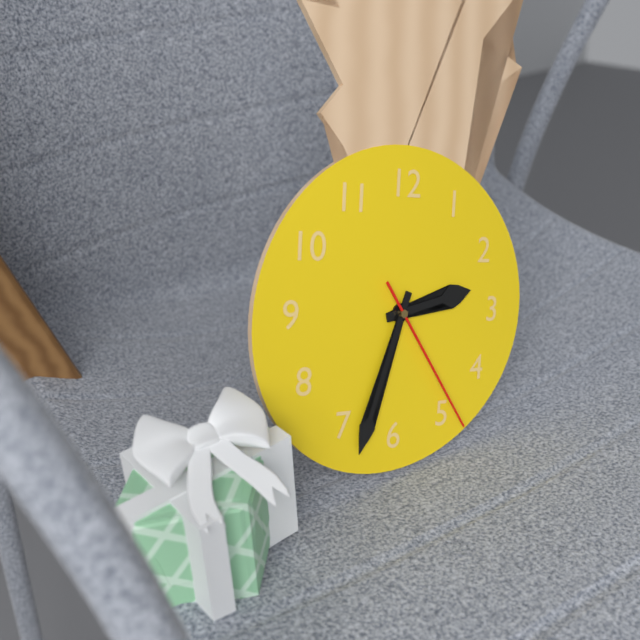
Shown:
h=2 m=33 s=24
